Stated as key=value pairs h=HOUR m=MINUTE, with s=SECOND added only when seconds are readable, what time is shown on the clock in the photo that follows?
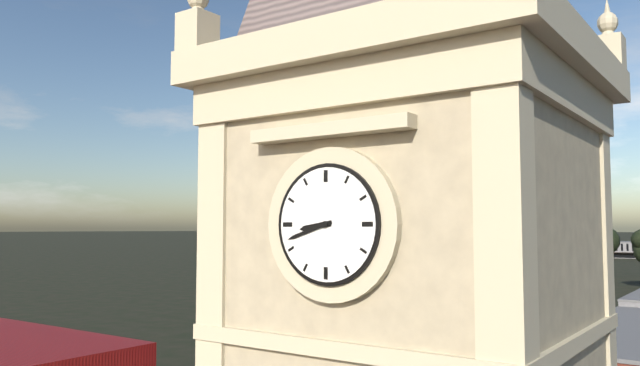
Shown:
h=8 m=42
